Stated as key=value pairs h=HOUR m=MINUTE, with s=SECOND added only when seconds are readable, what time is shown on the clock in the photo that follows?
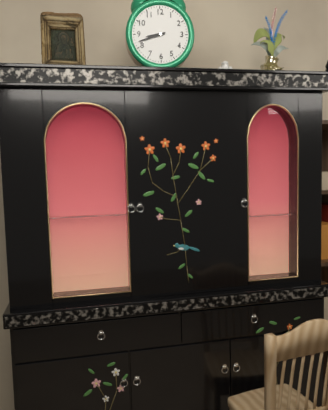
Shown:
h=8 m=42
